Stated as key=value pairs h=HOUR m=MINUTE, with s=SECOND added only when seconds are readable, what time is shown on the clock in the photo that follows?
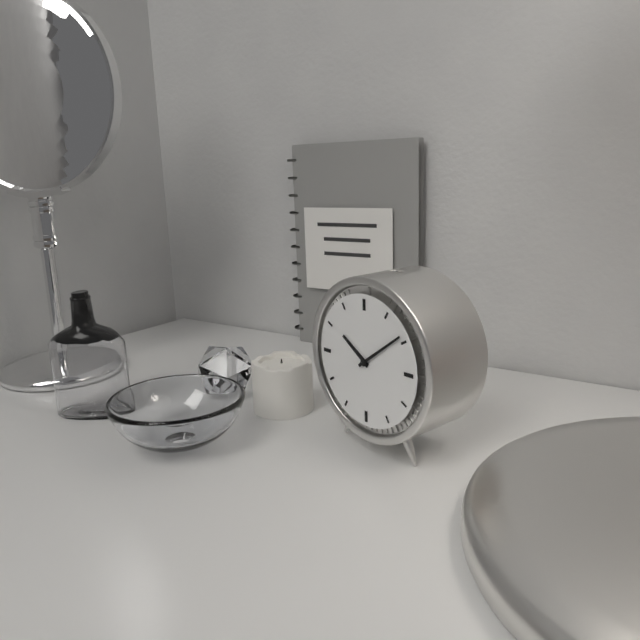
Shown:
h=10 m=9
